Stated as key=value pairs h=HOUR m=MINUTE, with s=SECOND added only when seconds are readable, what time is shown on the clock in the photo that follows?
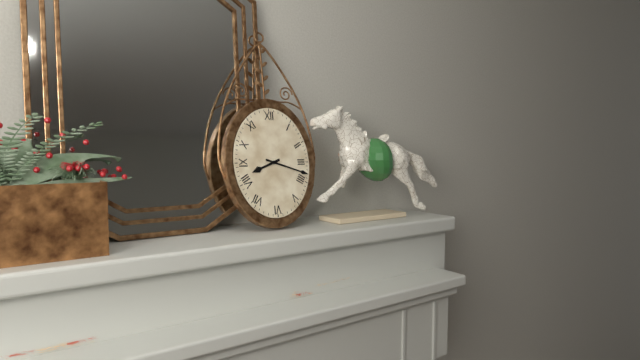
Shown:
h=8 m=18
